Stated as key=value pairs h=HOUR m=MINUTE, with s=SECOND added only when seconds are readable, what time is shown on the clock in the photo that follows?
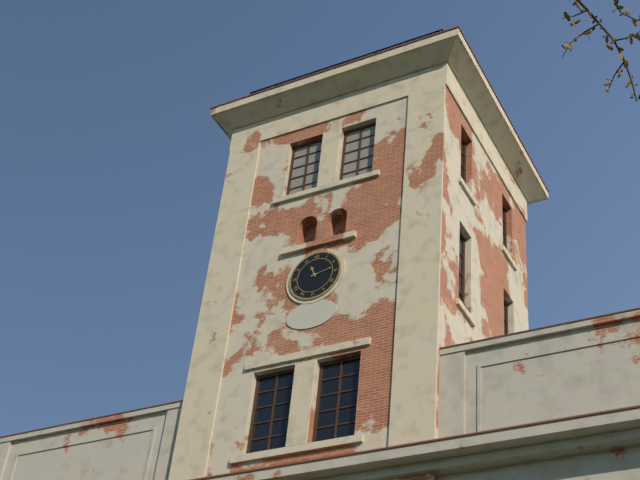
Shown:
h=11 m=13
